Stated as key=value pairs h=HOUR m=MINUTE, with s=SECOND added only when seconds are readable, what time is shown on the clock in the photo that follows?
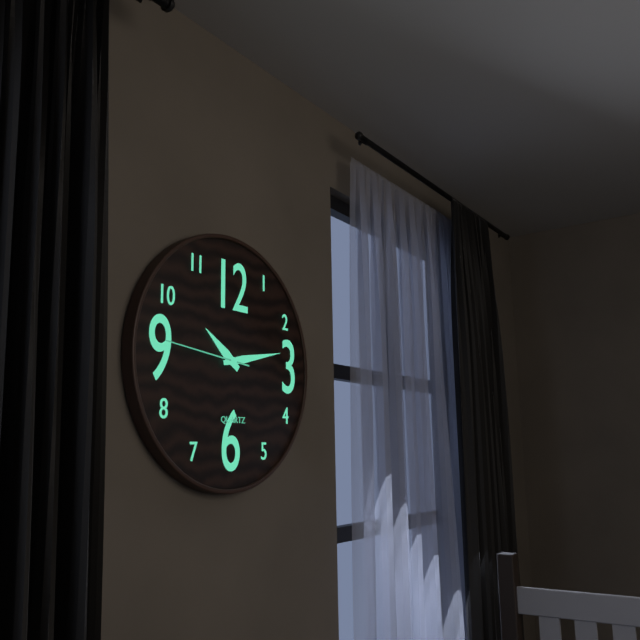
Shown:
h=10 m=13 s=46
